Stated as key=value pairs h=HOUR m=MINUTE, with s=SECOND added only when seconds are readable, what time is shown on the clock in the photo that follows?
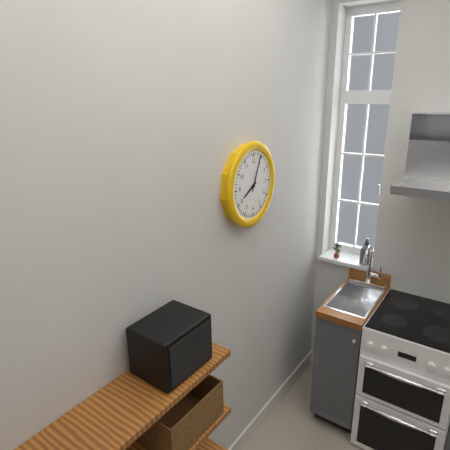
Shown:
h=8 m=4
